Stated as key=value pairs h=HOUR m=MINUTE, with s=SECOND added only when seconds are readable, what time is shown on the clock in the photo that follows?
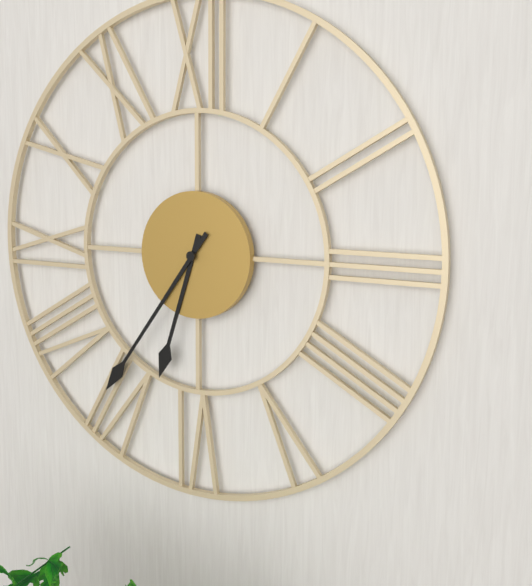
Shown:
h=6 m=36
